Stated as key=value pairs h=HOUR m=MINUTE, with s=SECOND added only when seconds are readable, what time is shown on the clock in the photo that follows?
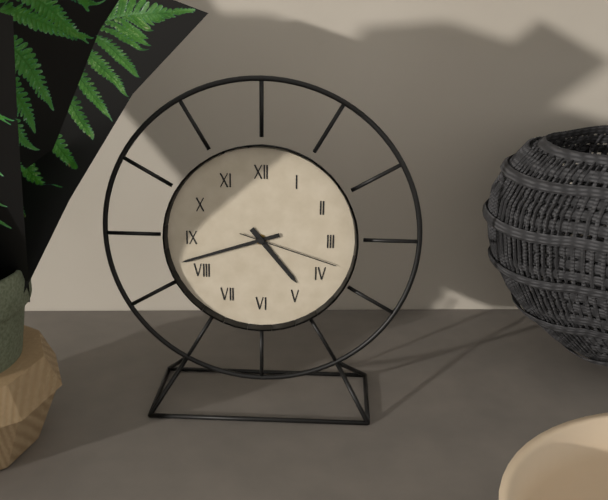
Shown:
h=4 m=42 s=18
